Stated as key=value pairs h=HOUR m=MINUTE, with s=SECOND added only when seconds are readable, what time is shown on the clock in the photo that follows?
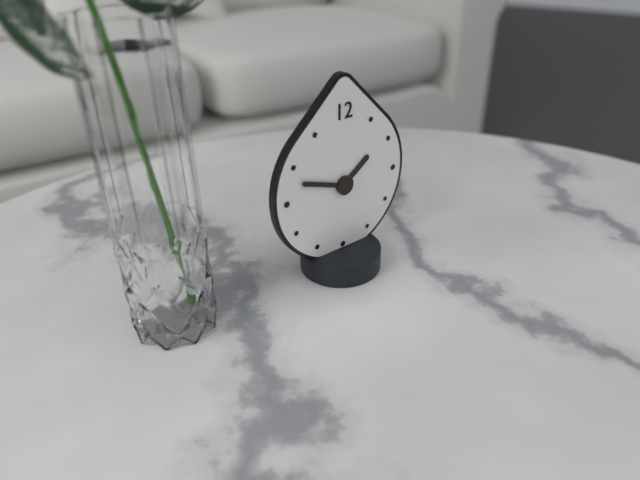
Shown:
h=1 m=48
